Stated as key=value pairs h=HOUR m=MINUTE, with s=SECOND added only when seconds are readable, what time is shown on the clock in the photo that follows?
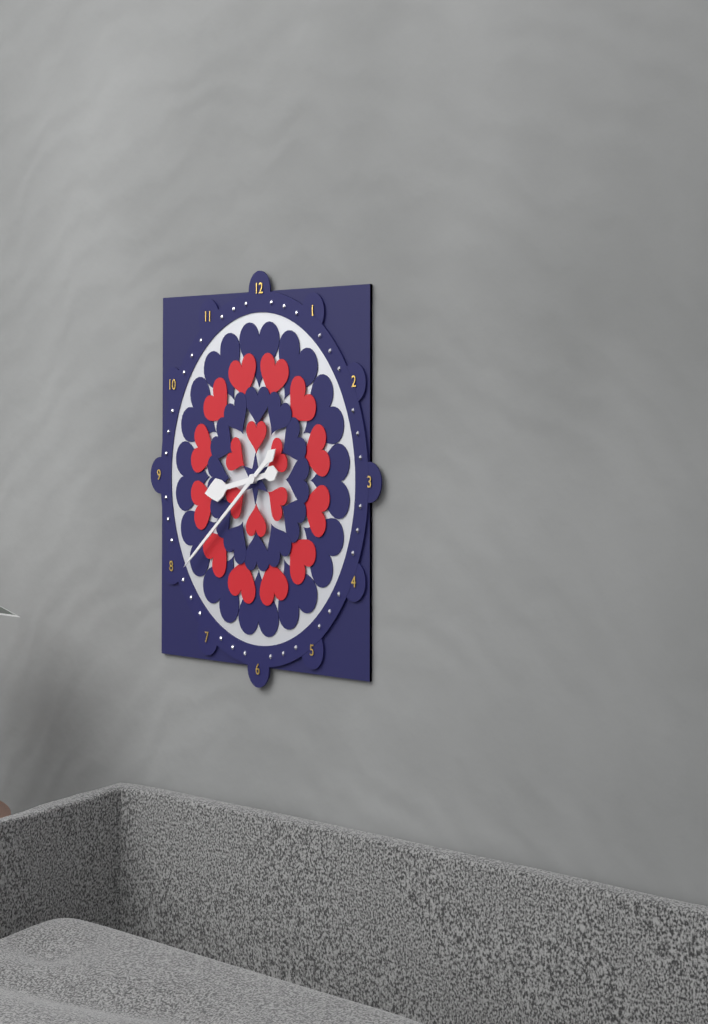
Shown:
h=8 m=39
